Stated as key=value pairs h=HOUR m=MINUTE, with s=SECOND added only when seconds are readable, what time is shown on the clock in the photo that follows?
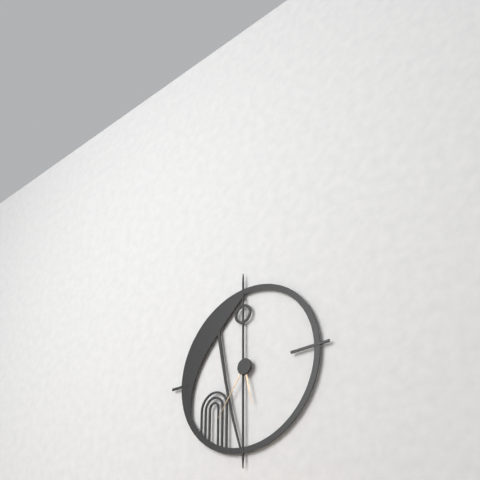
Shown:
h=5 m=36
